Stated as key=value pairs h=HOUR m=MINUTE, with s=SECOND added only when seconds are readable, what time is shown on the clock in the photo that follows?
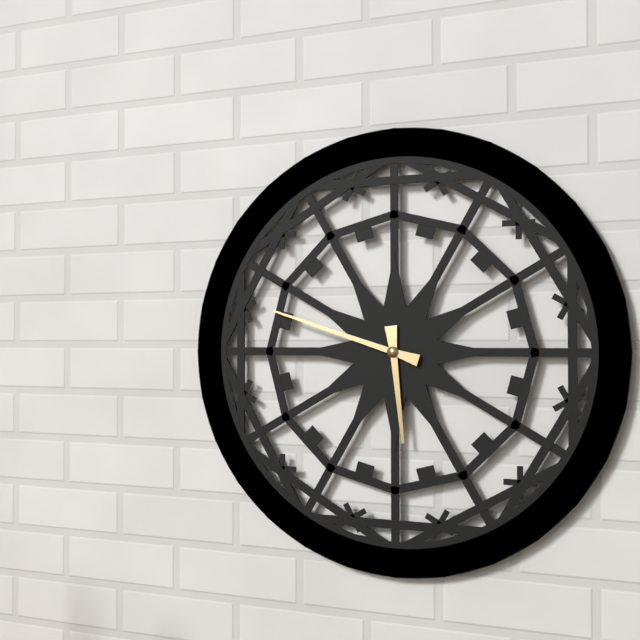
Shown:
h=5 m=48
